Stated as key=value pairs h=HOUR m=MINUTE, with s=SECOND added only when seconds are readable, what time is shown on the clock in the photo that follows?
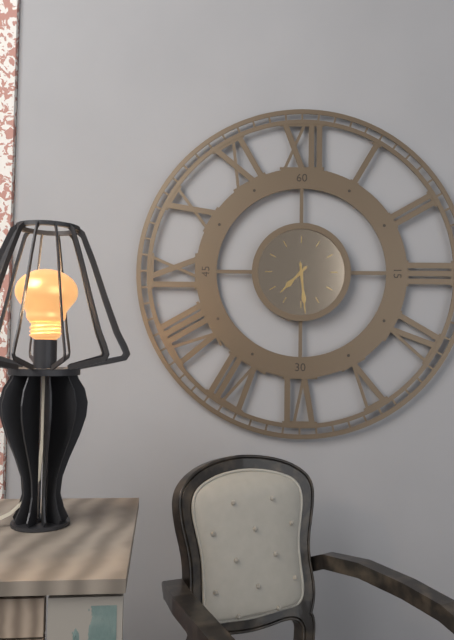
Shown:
h=7 m=29
